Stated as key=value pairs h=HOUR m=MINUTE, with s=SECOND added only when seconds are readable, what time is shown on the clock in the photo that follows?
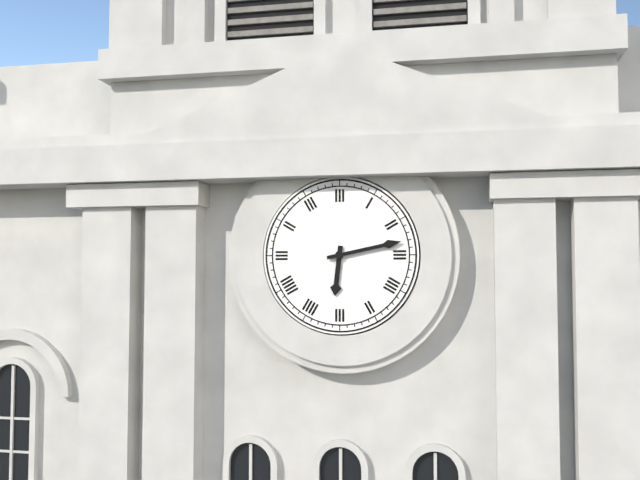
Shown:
h=6 m=13
